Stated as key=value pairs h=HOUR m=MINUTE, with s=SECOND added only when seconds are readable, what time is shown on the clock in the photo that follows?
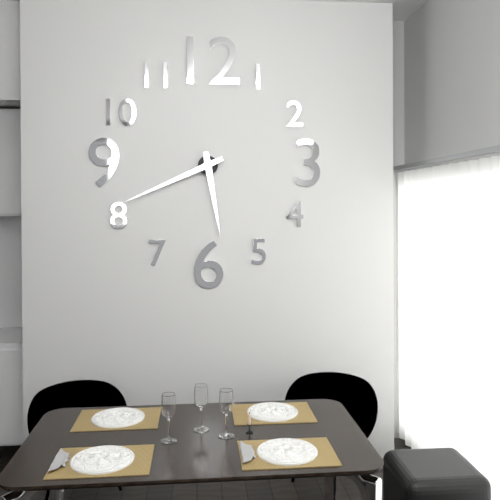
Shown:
h=5 m=41
